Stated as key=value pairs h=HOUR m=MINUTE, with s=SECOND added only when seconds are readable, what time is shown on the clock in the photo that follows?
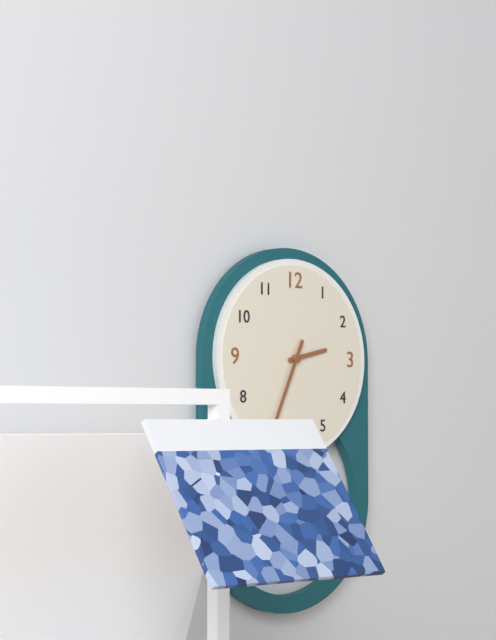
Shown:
h=2 m=34
